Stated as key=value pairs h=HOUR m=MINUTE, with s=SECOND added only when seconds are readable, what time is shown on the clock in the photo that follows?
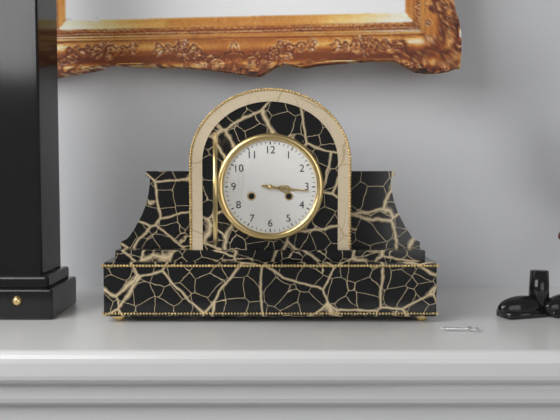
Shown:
h=3 m=16
